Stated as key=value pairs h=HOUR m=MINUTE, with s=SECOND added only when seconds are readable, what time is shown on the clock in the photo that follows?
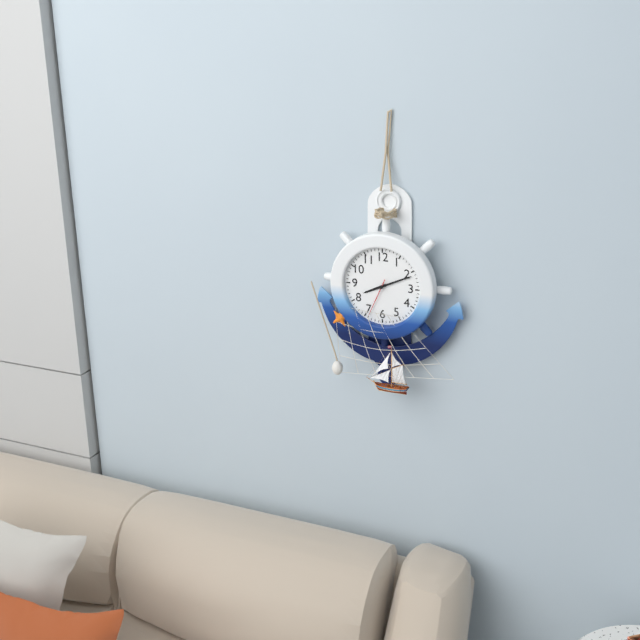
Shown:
h=8 m=11 s=34
